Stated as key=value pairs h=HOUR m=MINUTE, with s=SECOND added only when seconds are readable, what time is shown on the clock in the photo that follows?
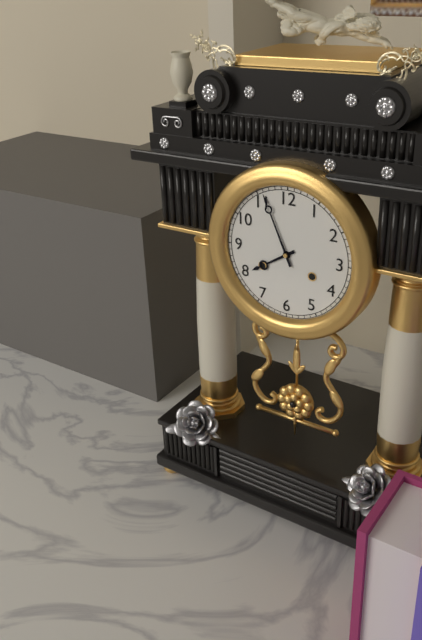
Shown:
h=7 m=56
